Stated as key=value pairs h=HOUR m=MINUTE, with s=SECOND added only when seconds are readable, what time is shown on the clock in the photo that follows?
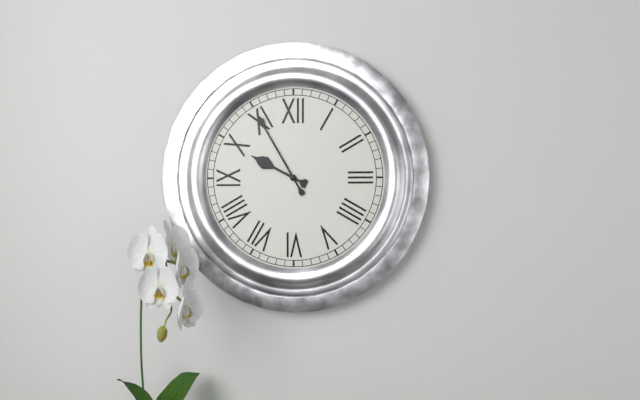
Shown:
h=9 m=55
